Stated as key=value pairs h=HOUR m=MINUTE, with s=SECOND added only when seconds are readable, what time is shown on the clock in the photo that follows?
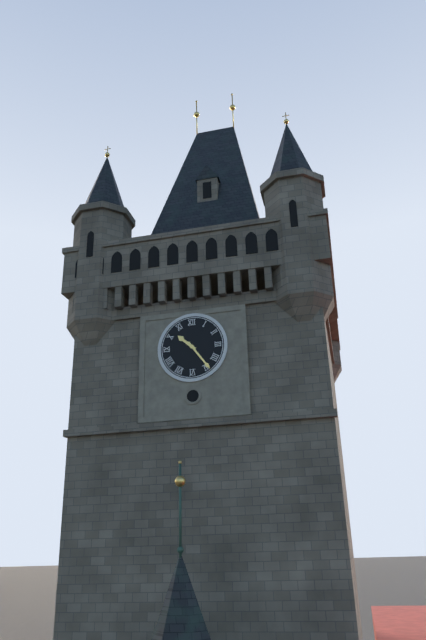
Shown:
h=10 m=24
